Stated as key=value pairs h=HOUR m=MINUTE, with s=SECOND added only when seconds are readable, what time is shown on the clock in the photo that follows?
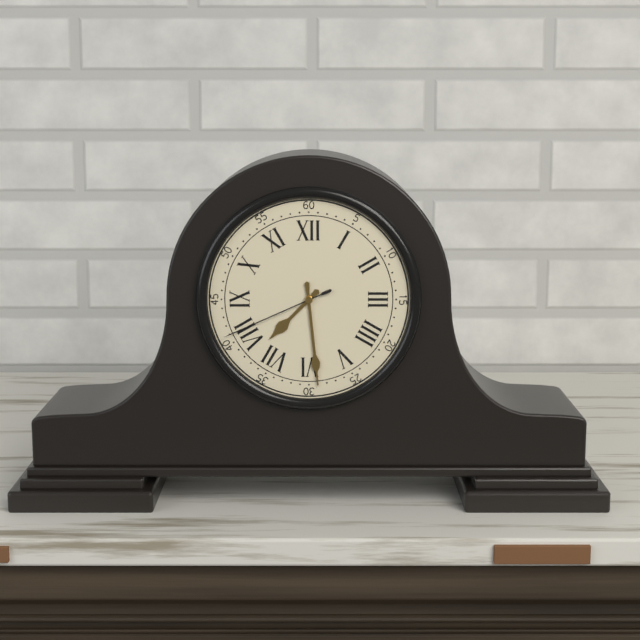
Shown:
h=7 m=29 s=41
